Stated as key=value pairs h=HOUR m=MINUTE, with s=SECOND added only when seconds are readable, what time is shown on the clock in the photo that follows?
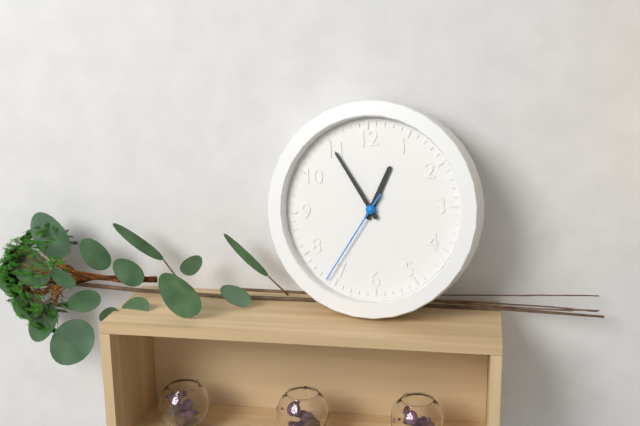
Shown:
h=12 m=55 s=36
